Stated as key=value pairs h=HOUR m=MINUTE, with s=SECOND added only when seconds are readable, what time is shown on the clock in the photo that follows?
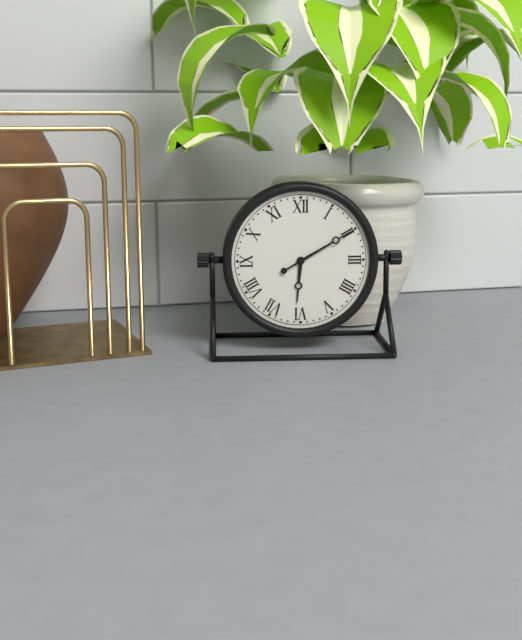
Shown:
h=6 m=10
